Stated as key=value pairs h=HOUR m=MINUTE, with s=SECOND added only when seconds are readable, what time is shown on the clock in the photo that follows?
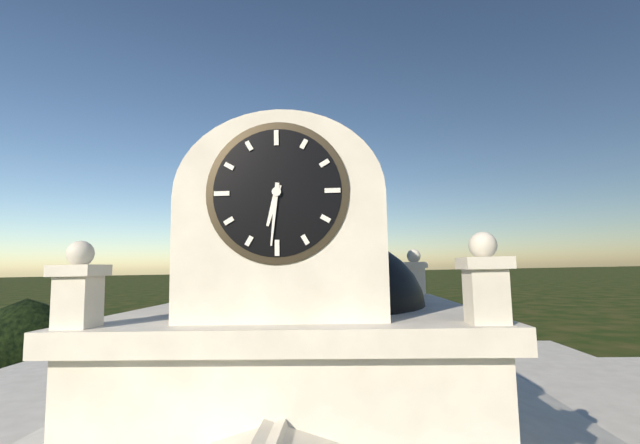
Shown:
h=6 m=31
